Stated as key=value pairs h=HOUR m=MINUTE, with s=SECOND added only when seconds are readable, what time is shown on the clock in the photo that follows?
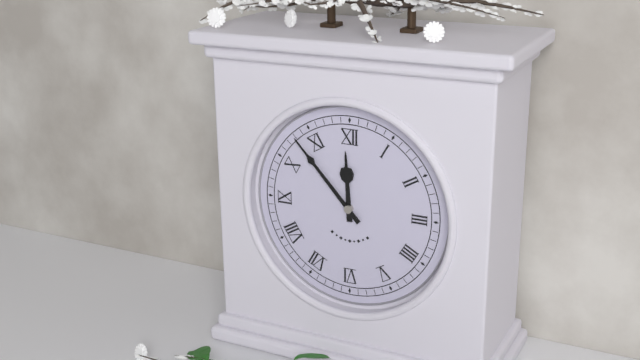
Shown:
h=11 m=53
